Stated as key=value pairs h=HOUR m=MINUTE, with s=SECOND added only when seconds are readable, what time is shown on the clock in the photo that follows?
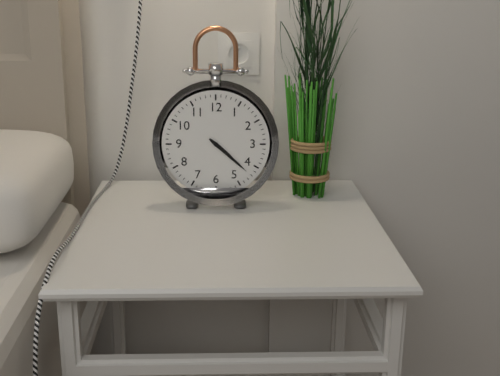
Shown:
h=4 m=22
